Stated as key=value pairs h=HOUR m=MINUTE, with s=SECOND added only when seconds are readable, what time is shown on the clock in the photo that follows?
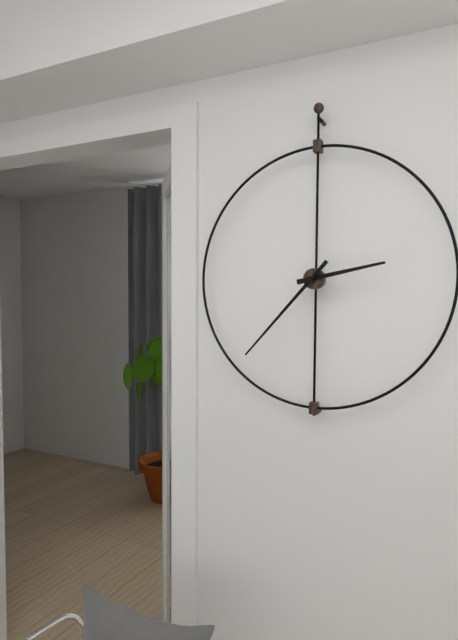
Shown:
h=2 m=37
